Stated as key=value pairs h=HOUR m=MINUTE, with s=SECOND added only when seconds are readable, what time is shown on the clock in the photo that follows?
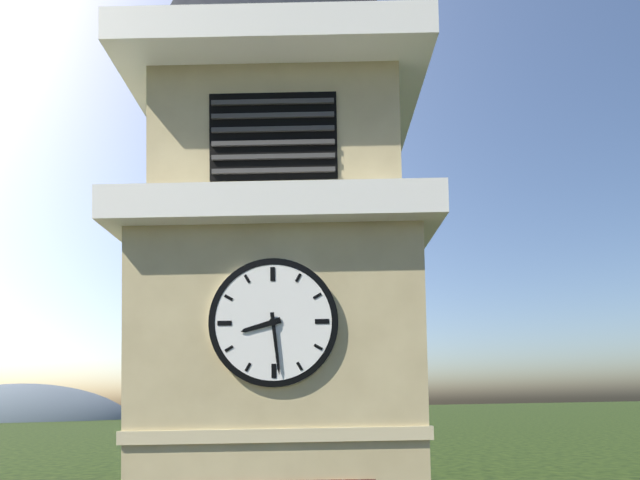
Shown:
h=8 m=29
